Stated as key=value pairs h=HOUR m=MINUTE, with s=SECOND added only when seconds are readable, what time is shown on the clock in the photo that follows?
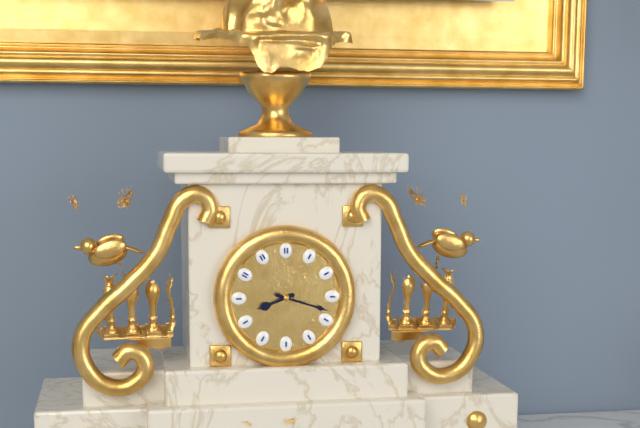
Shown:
h=8 m=18
